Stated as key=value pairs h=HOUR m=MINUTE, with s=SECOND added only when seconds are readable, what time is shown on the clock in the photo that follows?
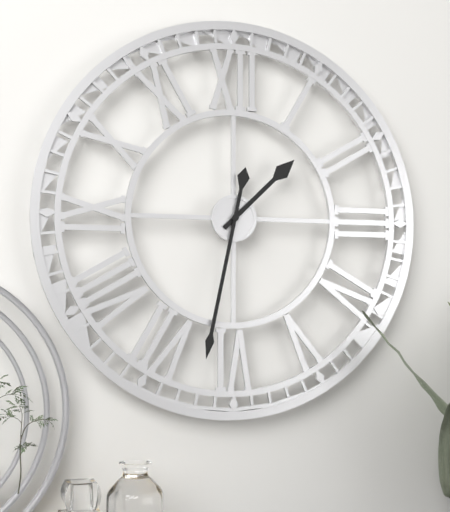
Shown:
h=1 m=32
